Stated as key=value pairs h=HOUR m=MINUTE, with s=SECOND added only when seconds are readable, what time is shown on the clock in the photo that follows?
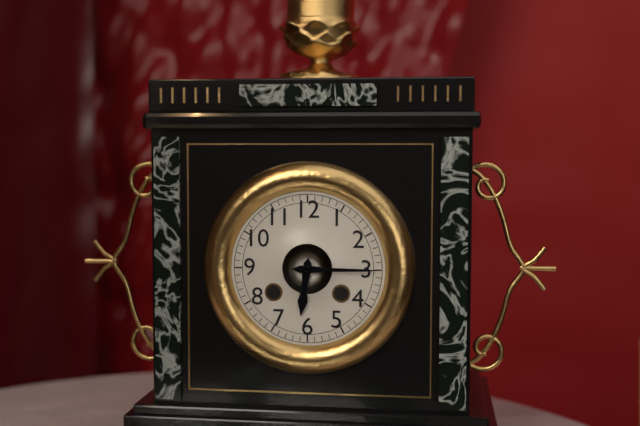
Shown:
h=6 m=15
